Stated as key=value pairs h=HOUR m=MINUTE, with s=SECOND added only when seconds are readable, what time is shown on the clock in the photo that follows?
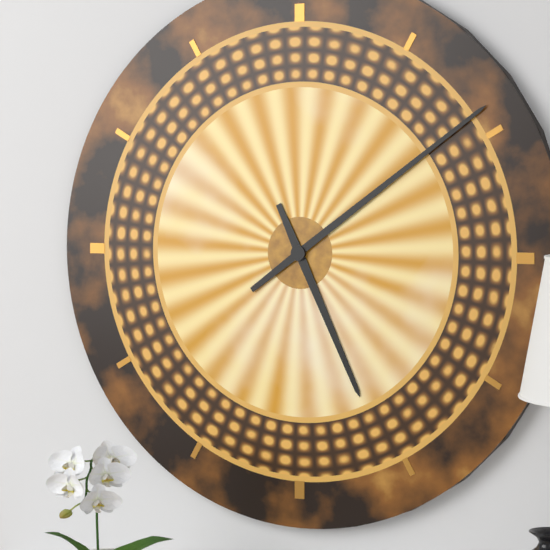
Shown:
h=5 m=9
